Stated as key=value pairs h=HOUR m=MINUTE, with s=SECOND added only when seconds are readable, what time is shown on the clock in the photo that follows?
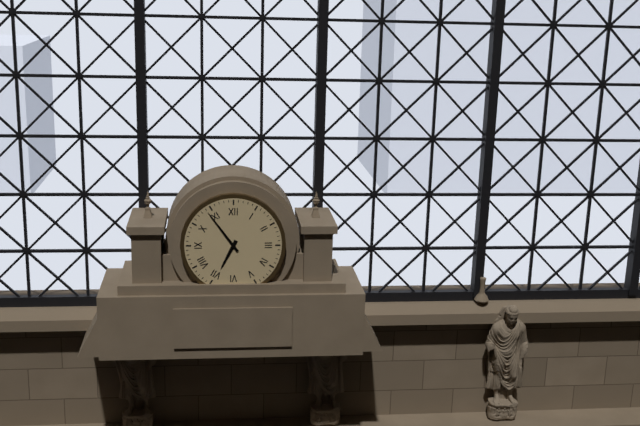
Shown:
h=6 m=54
